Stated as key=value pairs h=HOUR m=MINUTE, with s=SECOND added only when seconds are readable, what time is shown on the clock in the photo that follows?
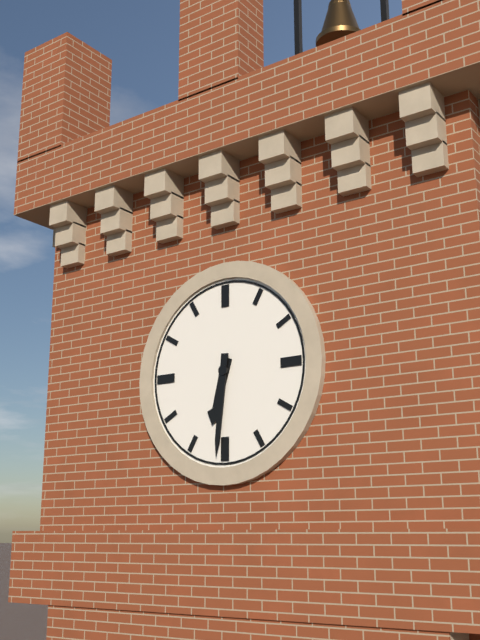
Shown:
h=6 m=31
